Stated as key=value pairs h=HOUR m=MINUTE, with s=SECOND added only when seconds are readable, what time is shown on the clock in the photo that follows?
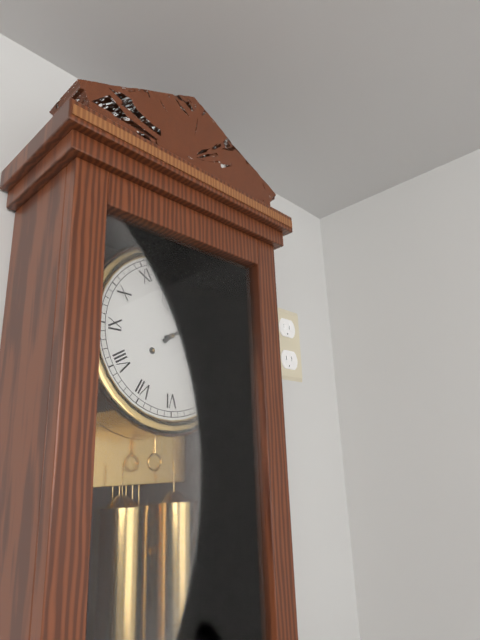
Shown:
h=2 m=9
